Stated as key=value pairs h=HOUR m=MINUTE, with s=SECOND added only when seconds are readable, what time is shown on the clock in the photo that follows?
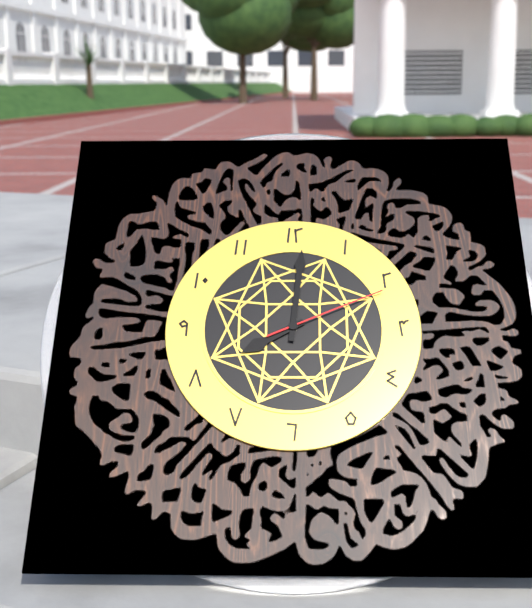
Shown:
h=8 m=1 s=11
